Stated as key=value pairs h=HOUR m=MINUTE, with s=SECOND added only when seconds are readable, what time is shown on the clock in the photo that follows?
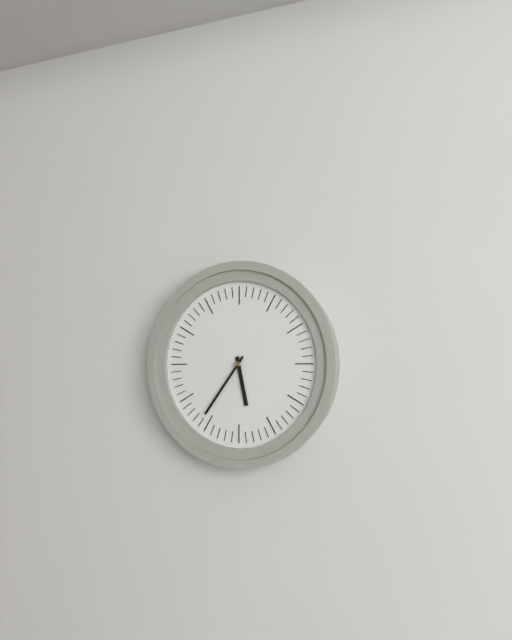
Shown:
h=5 m=36
